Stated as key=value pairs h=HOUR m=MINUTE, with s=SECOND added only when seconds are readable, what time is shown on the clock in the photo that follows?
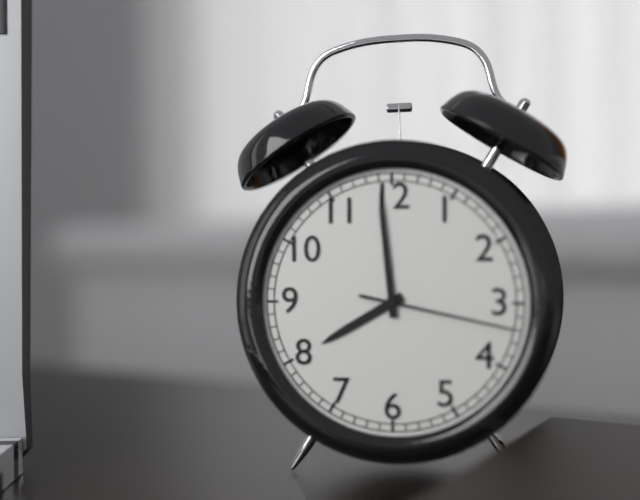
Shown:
h=7 m=59 s=17
